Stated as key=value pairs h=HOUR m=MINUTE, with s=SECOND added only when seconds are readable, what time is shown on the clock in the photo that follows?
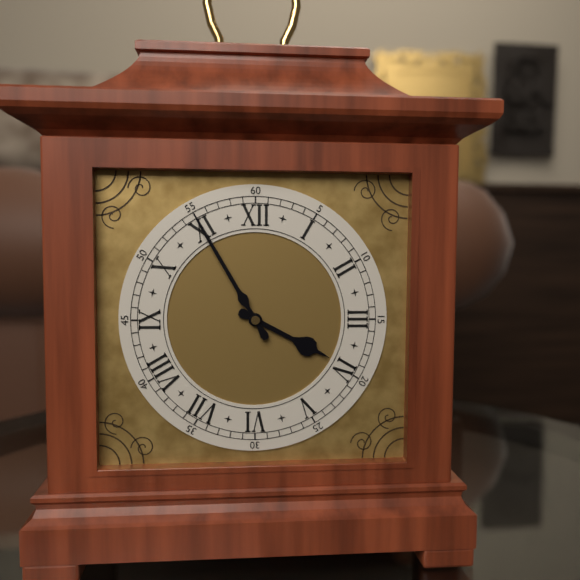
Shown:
h=3 m=55
